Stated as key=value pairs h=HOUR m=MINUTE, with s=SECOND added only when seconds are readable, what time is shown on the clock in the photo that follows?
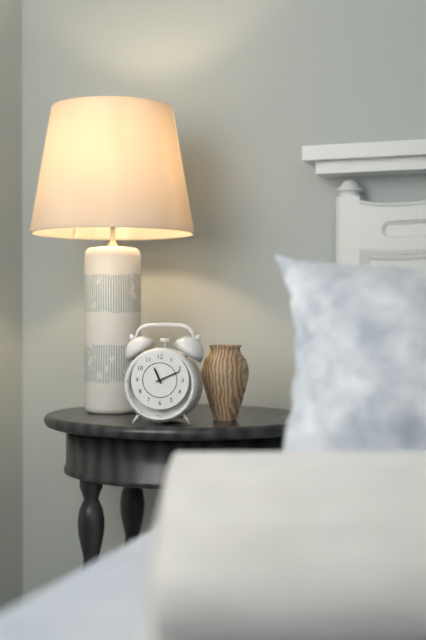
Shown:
h=11 m=11
